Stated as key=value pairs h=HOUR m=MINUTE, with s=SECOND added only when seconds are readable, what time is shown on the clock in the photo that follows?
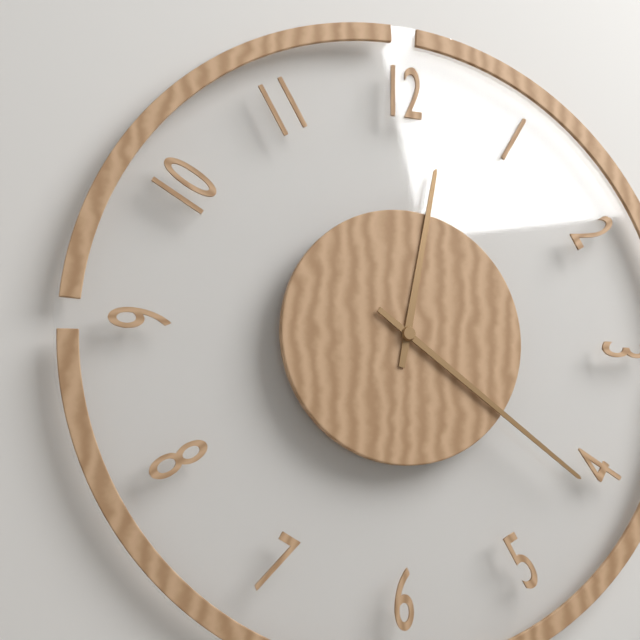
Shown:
h=12 m=21
